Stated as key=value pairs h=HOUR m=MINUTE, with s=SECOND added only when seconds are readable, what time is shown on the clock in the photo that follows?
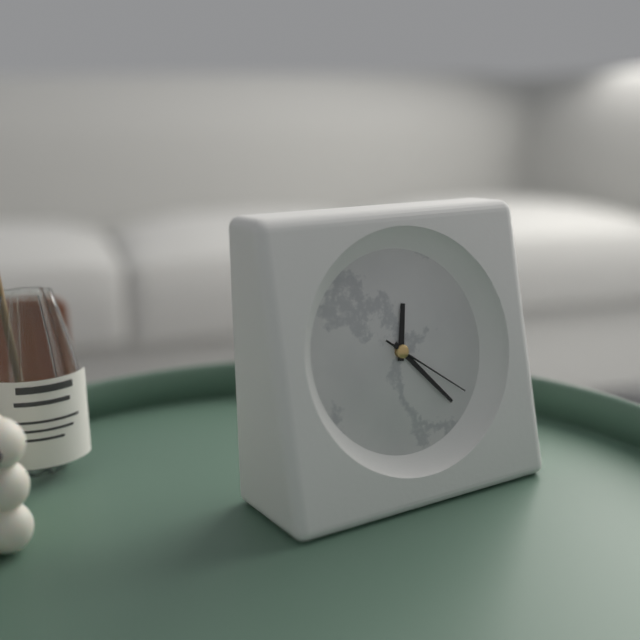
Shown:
h=12 m=23 s=21
